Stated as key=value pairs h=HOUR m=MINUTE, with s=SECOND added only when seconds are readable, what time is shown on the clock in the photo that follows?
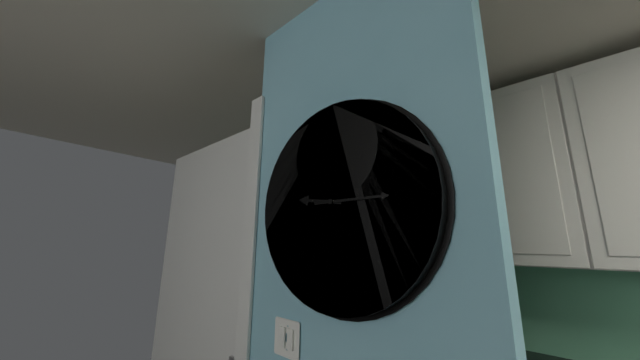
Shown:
h=9 m=15
